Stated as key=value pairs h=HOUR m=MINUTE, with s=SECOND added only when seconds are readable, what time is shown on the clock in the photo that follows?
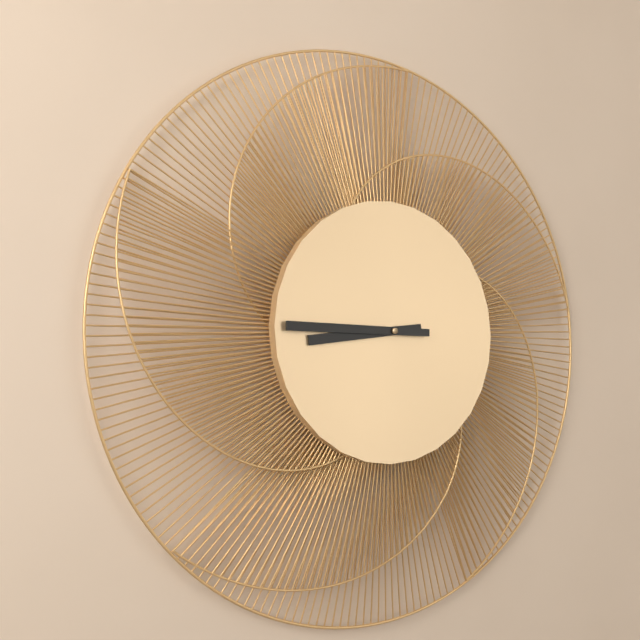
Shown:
h=8 m=45
